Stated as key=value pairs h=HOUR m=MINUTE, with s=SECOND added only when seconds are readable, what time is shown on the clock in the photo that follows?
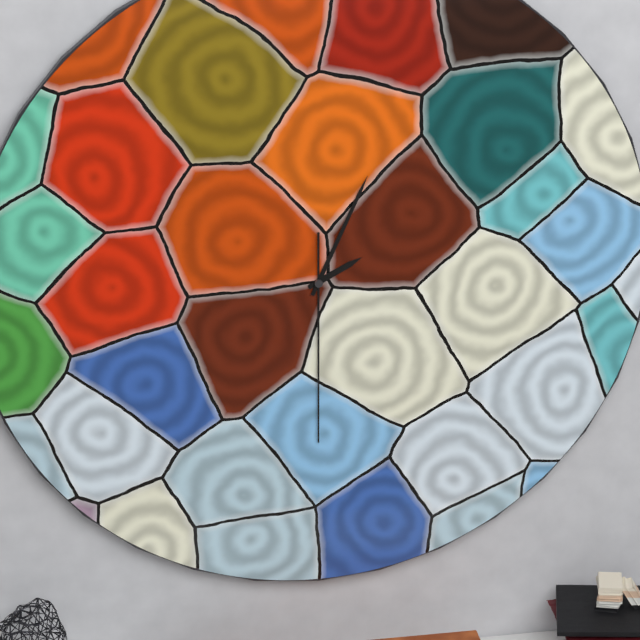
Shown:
h=2 m=4 s=30
